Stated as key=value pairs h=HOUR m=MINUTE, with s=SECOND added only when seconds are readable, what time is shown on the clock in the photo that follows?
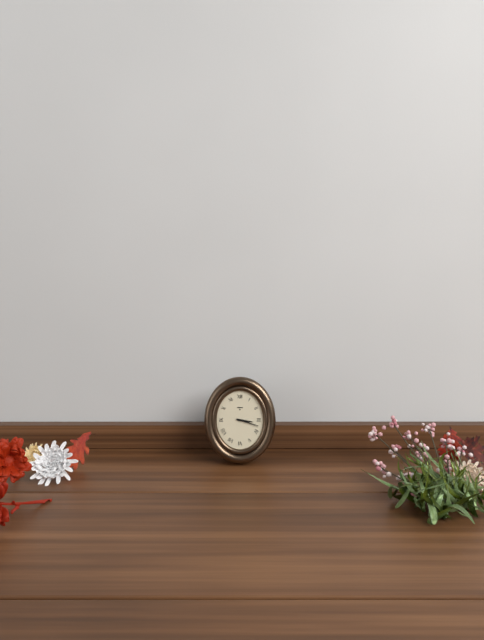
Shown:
h=3 m=18
